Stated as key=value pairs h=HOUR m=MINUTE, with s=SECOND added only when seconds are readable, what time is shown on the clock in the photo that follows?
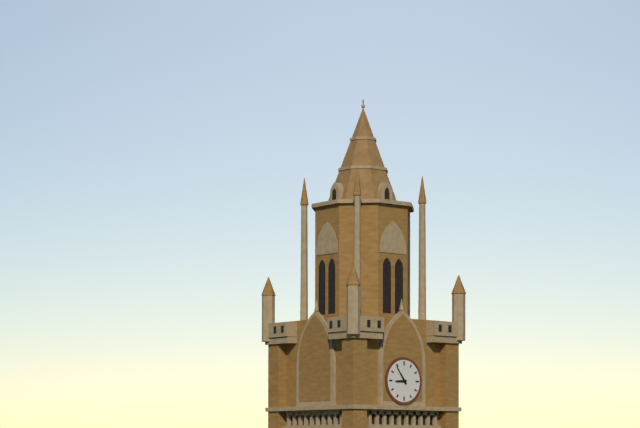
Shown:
h=8 m=54
